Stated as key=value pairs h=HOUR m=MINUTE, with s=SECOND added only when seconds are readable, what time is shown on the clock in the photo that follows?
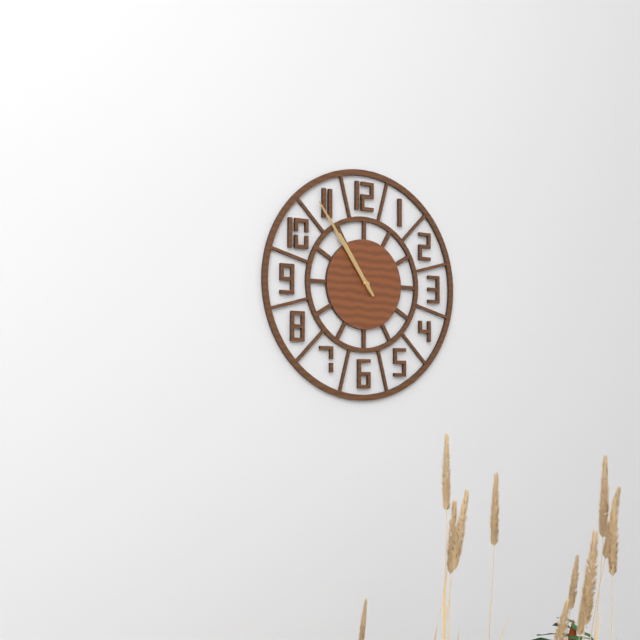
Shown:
h=10 m=54
